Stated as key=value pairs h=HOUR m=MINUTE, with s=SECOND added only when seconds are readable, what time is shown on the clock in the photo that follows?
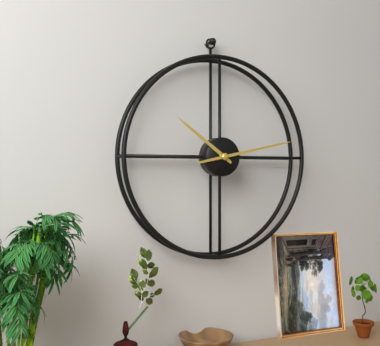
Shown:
h=10 m=13
